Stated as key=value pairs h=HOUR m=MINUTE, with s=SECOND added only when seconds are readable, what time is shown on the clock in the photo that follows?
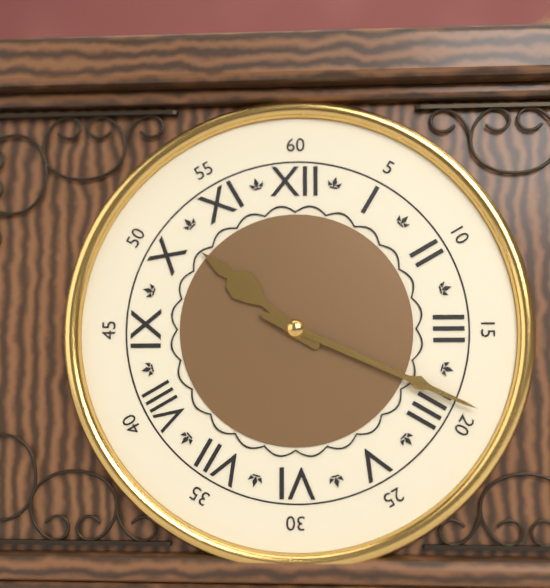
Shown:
h=10 m=19
